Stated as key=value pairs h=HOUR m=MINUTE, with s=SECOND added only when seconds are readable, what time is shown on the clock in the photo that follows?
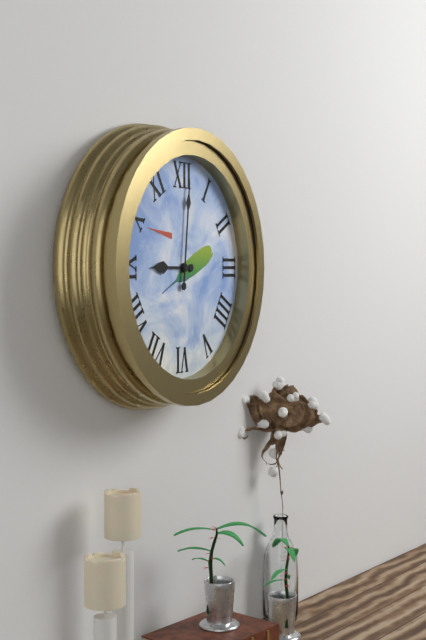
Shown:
h=9 m=1
